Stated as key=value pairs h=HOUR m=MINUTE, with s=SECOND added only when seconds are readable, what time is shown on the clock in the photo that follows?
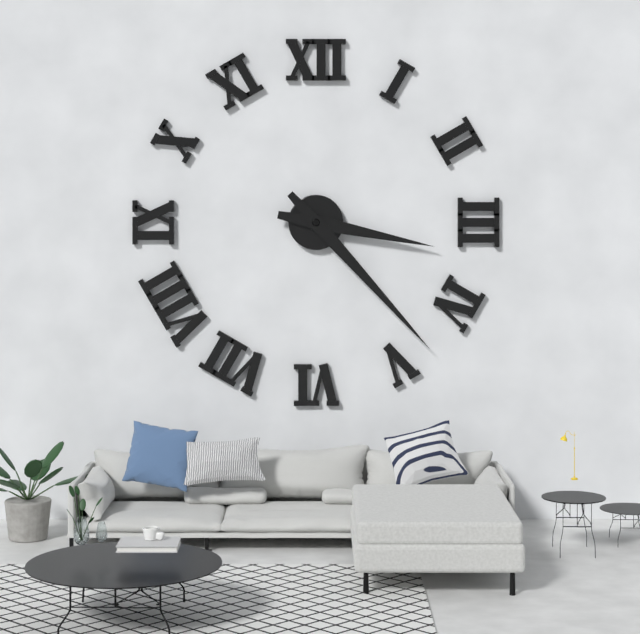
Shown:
h=3 m=23
